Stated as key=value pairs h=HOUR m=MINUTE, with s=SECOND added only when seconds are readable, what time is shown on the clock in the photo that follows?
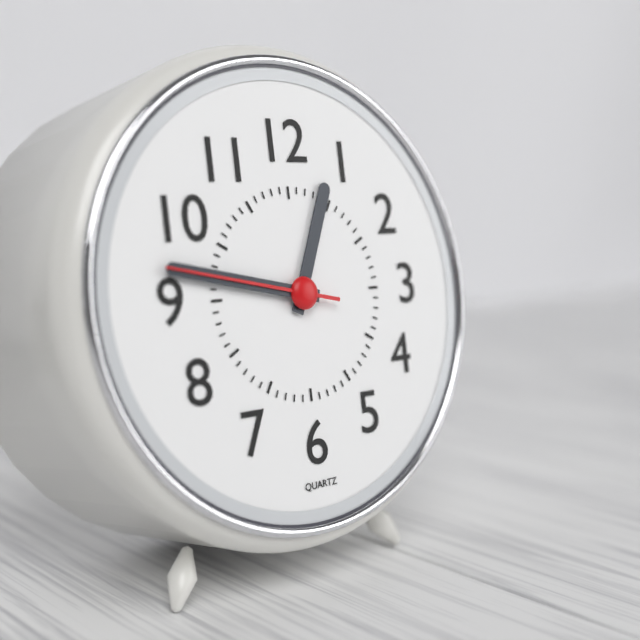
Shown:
h=12 m=47 s=47
